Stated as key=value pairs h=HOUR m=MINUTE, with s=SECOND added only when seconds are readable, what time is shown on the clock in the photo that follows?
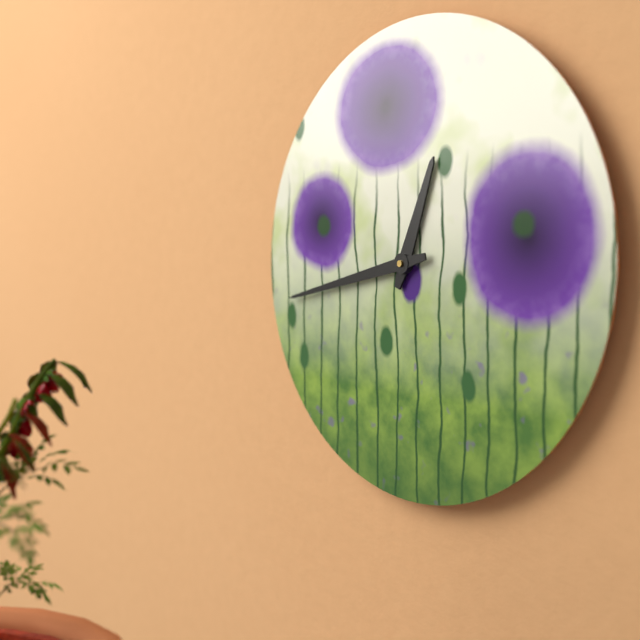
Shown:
h=12 m=43
